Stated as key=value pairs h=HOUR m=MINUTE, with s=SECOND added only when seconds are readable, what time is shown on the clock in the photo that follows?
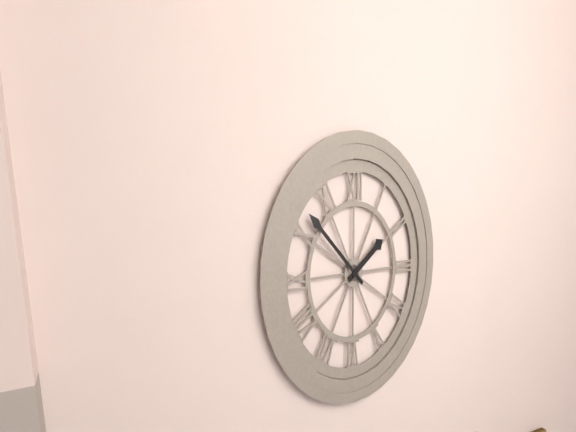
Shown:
h=1 m=52
